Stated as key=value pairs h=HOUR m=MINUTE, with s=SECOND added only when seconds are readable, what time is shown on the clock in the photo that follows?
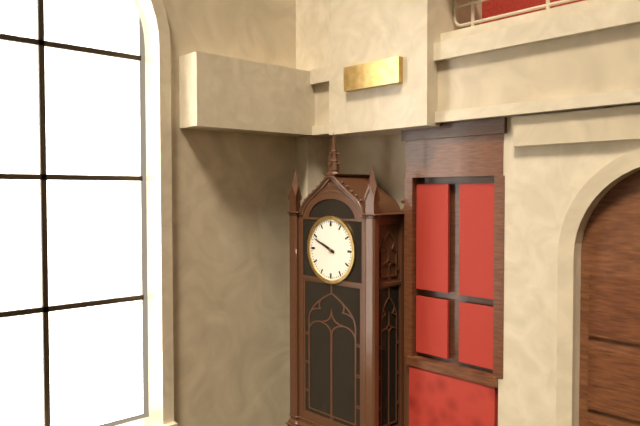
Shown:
h=9 m=49
